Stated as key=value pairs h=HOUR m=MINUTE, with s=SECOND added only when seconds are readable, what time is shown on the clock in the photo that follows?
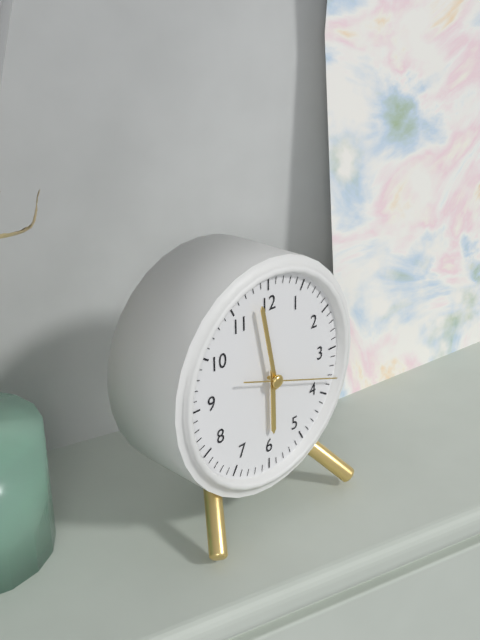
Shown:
h=5 m=58 s=18
